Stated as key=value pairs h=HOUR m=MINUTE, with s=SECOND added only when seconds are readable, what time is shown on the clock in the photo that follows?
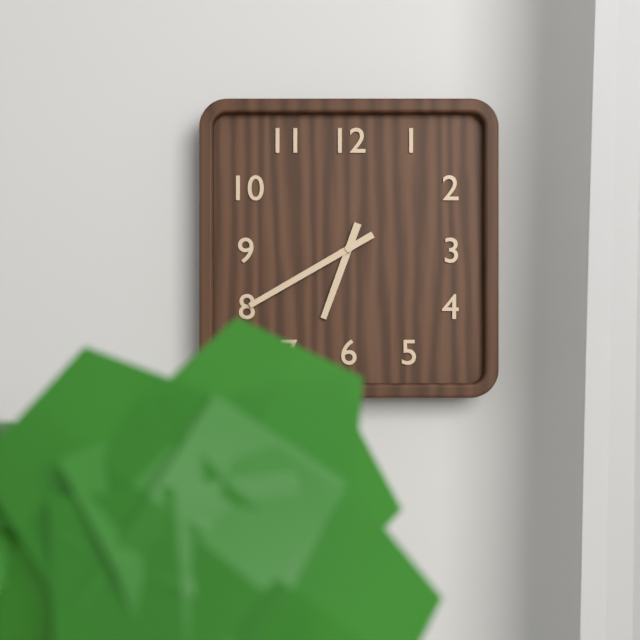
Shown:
h=6 m=40
